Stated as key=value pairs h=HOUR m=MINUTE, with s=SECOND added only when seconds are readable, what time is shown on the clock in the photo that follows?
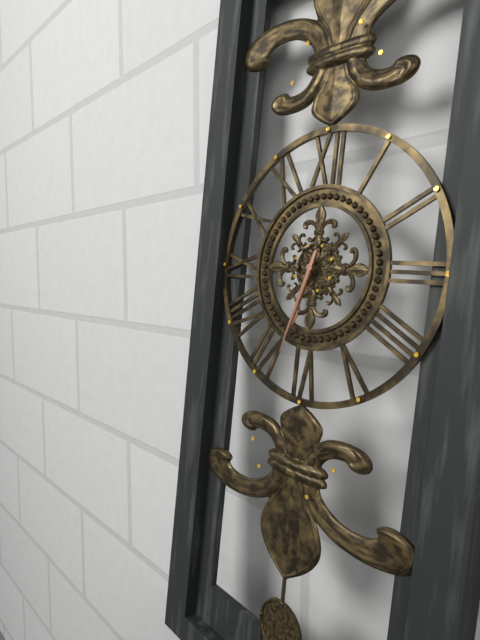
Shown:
h=6 m=33
